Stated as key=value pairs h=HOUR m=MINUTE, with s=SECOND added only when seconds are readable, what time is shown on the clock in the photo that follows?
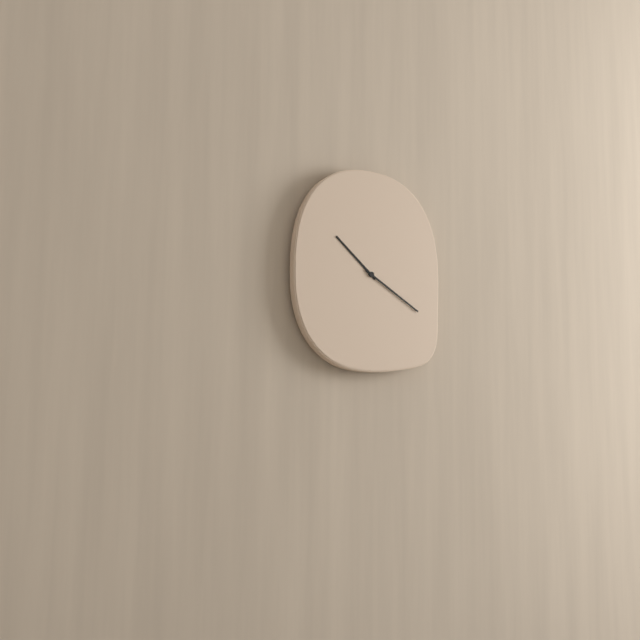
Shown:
h=10 m=20
